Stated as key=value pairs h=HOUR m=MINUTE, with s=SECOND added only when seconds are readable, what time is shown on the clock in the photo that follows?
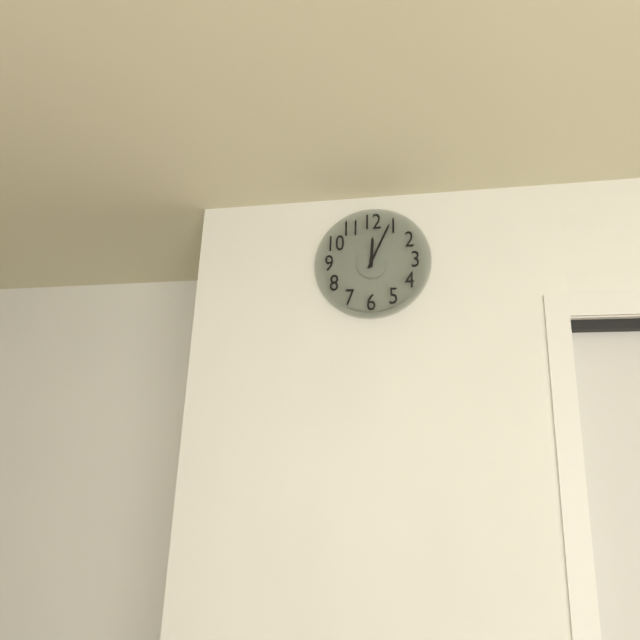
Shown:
h=12 m=4
